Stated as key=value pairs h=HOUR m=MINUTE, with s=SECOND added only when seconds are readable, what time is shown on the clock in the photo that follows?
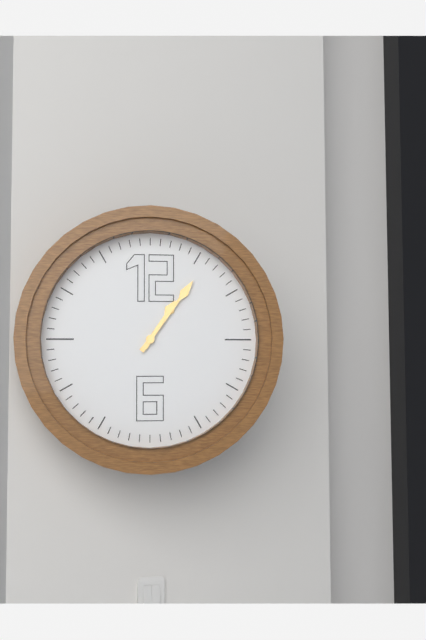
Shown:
h=1 m=6
